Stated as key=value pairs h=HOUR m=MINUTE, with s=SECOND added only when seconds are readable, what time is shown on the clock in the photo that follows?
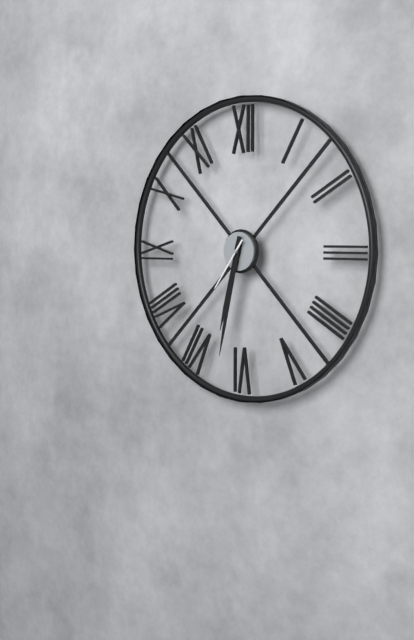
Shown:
h=6 m=32 s=36
